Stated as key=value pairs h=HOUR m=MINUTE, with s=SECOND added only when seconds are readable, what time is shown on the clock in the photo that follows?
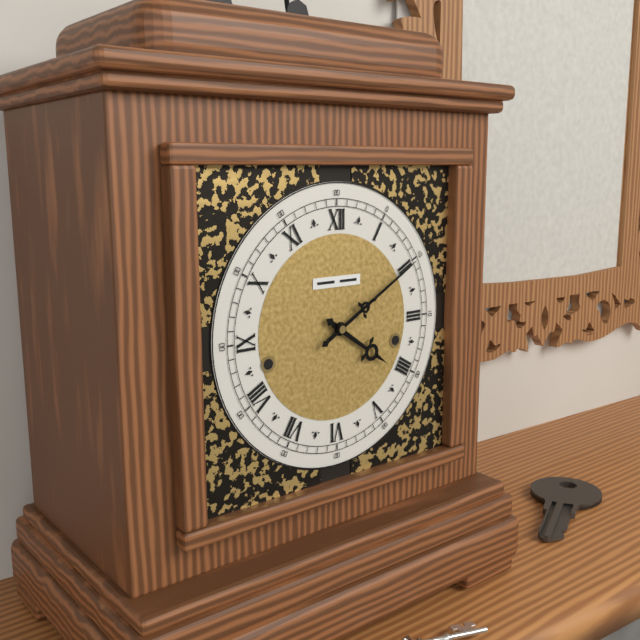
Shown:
h=4 m=10
